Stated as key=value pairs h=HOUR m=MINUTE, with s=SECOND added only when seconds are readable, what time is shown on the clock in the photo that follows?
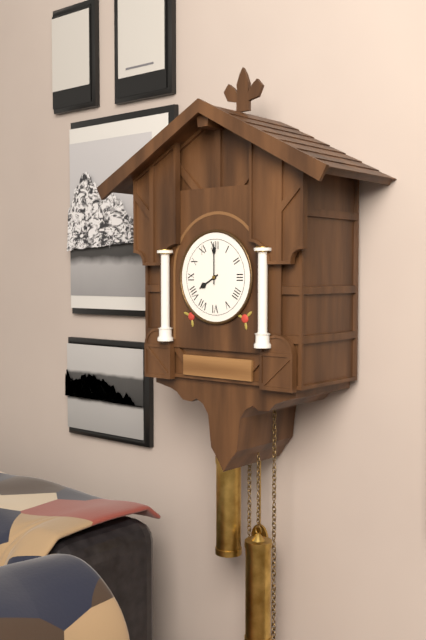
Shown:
h=8 m=0
